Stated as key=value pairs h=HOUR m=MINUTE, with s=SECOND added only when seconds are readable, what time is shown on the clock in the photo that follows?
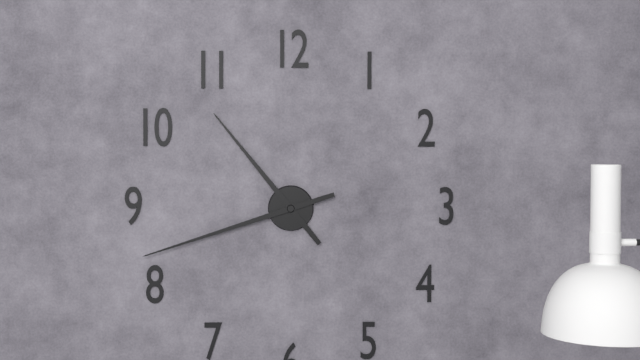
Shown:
h=10 m=42
